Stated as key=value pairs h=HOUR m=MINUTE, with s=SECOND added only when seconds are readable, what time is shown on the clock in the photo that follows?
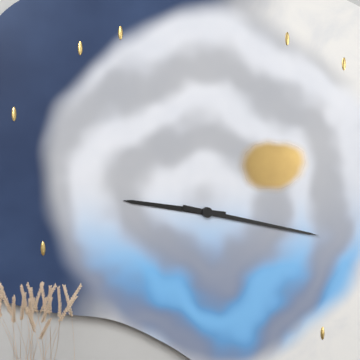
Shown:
h=9 m=17
